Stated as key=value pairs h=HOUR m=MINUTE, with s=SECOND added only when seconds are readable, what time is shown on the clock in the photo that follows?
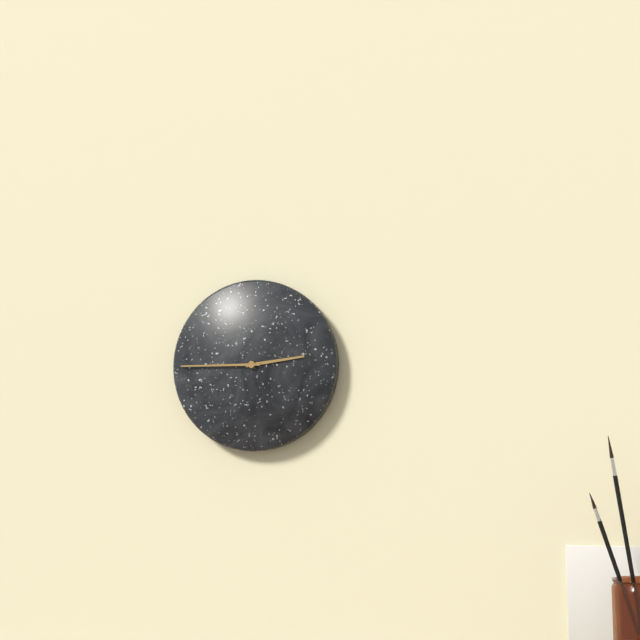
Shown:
h=2 m=45
